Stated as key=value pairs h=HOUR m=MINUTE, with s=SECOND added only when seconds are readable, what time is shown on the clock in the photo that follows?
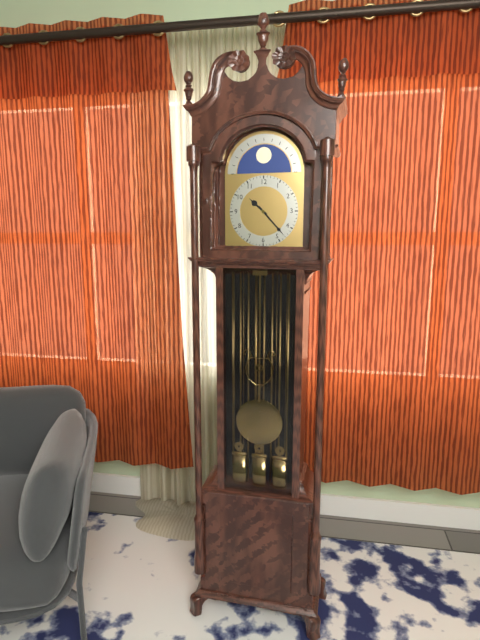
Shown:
h=10 m=23
